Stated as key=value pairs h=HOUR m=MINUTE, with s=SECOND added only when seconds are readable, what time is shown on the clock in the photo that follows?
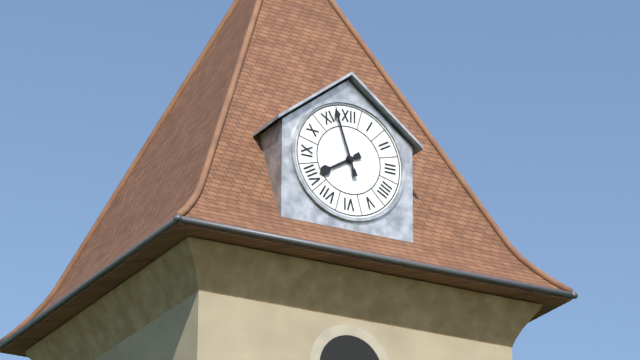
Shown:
h=7 m=57
